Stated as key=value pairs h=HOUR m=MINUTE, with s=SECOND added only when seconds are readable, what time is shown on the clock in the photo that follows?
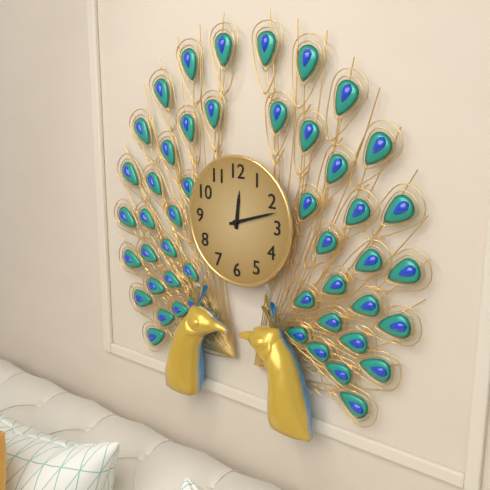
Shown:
h=12 m=12
